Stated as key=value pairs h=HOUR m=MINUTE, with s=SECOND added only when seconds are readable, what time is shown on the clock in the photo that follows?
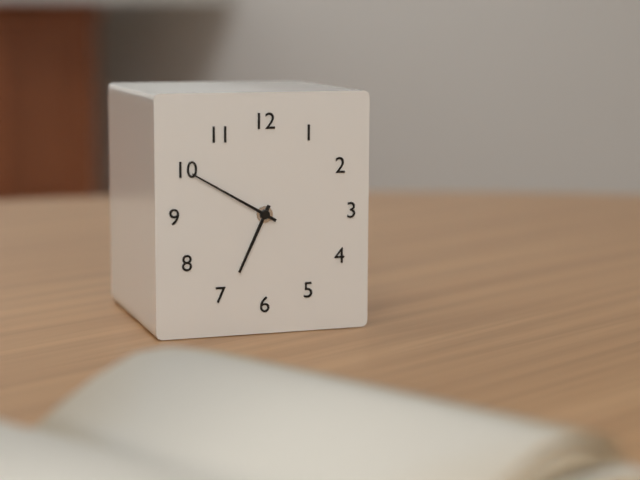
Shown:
h=6 m=50
